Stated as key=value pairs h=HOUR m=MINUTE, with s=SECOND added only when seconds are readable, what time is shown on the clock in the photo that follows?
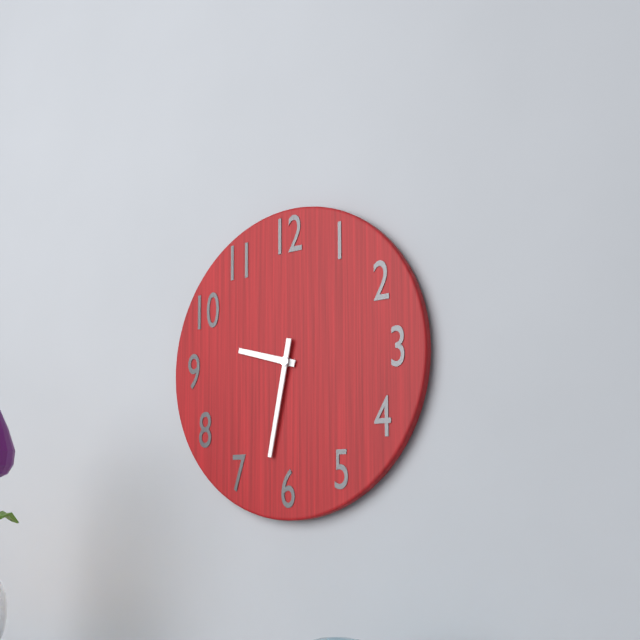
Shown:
h=9 m=32
